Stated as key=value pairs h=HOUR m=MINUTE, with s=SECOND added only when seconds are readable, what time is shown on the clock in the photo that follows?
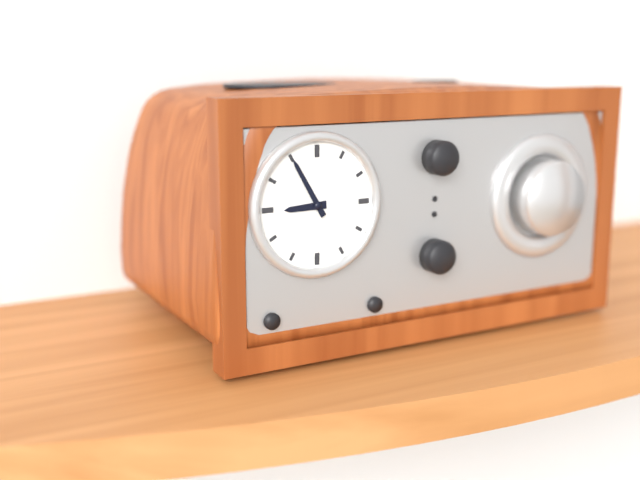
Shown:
h=8 m=55
